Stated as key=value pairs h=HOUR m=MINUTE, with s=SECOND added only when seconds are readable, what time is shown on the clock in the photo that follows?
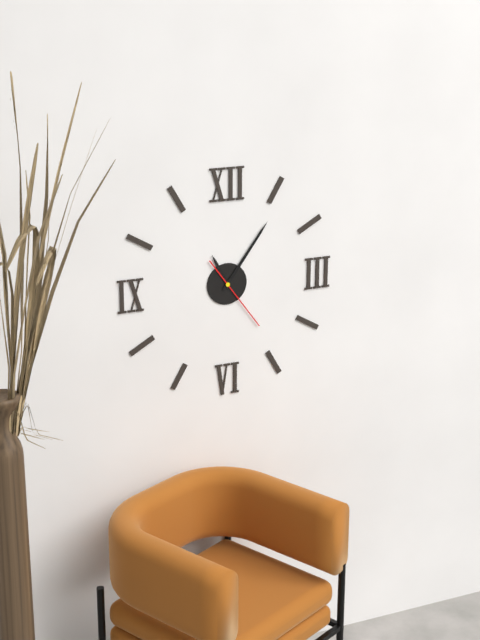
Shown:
h=11 m=6 s=24
